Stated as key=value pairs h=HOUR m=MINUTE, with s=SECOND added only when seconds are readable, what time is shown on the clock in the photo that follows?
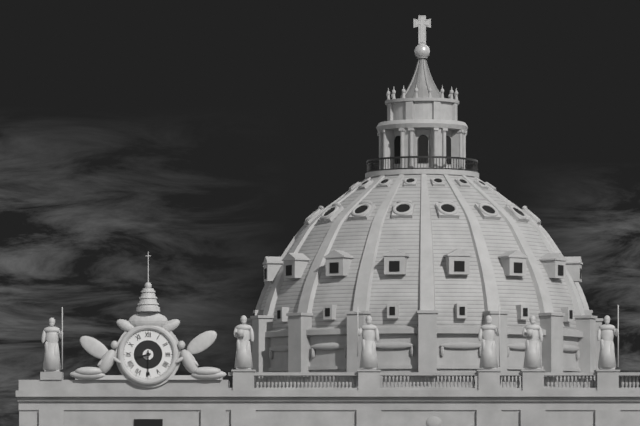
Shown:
h=8 m=30
